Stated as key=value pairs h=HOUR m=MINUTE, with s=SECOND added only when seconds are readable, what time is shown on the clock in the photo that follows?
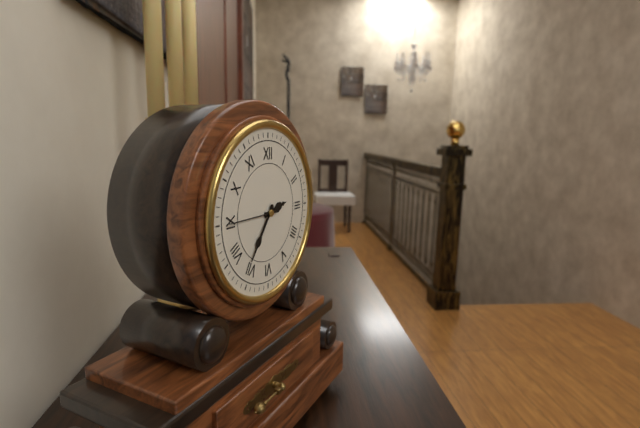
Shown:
h=2 m=36 s=45
